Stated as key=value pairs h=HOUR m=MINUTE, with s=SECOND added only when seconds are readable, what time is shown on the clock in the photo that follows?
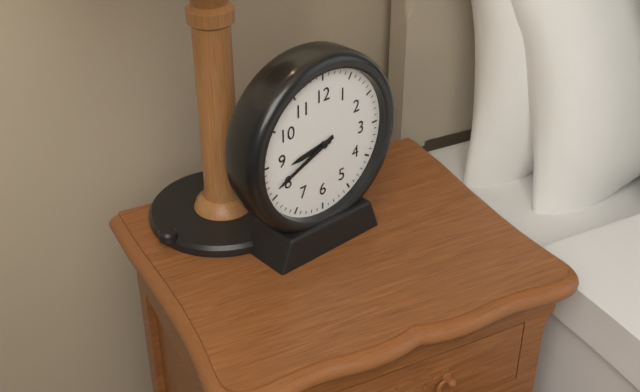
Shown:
h=8 m=41
